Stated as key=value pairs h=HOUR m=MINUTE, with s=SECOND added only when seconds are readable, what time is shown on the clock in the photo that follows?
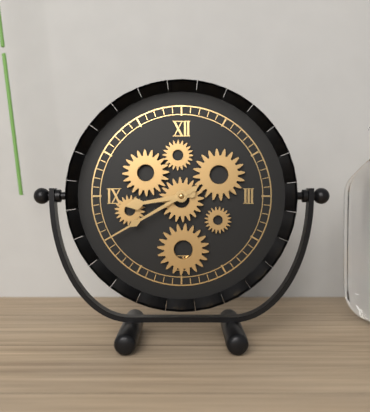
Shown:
h=8 m=40
